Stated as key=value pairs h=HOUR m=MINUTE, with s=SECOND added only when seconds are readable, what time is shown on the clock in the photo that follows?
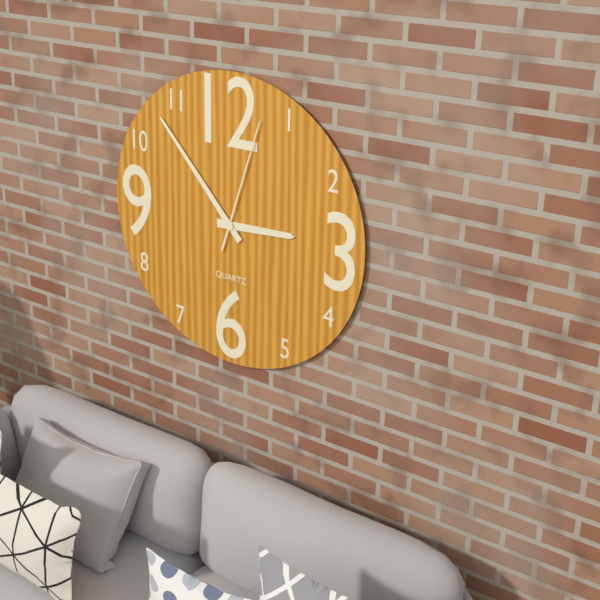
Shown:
h=2 m=53 s=3
